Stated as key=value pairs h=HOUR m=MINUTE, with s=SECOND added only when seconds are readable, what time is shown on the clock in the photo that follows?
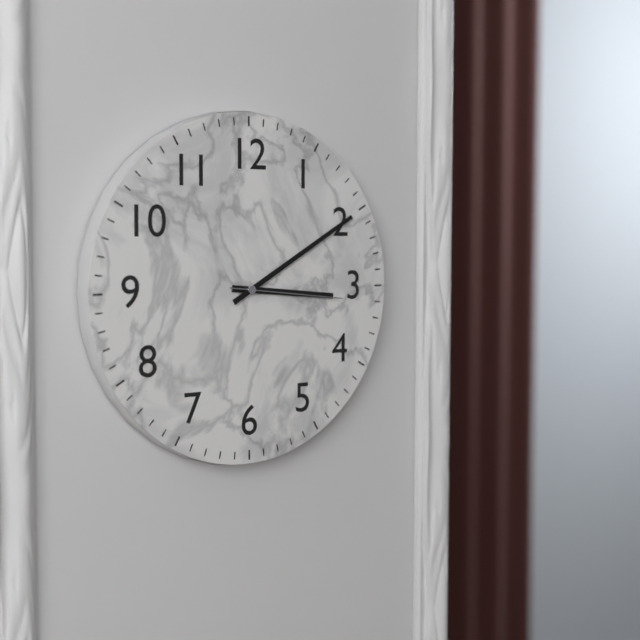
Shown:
h=3 m=10 s=16
